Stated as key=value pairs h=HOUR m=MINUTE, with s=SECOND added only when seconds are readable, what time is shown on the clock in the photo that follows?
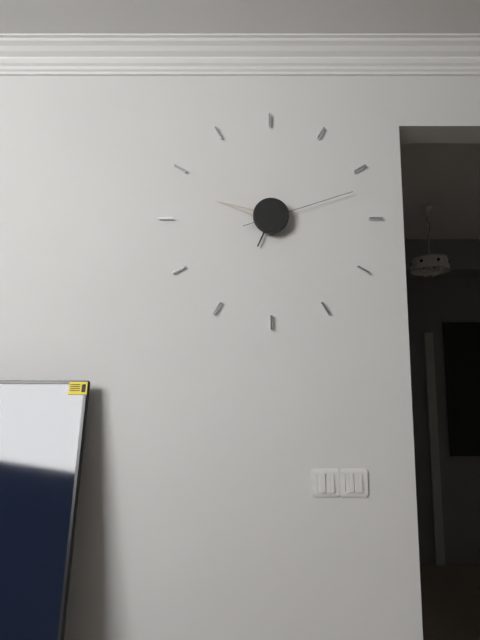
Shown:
h=6 m=48 s=12
